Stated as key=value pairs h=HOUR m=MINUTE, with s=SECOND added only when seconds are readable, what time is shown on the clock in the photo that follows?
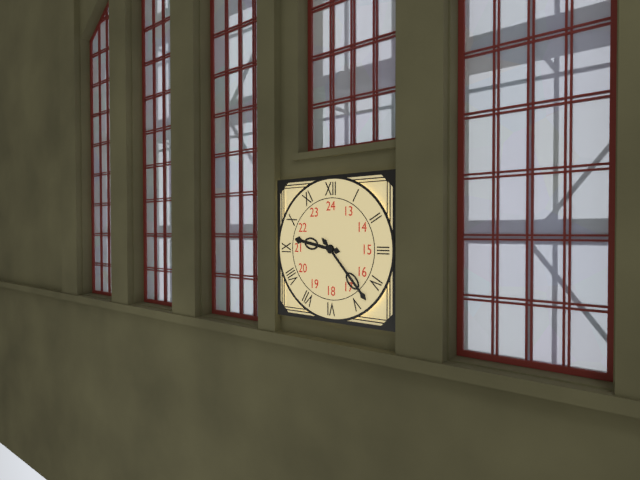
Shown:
h=9 m=23
